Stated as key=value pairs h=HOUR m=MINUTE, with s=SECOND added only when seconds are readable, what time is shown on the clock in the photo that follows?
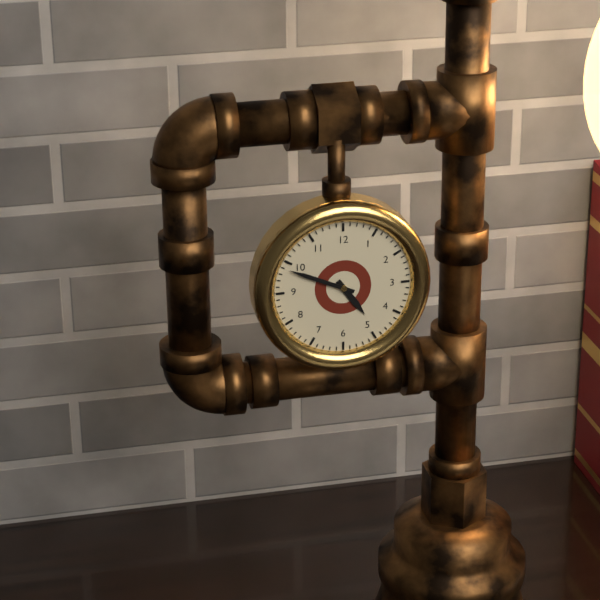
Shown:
h=4 m=49
